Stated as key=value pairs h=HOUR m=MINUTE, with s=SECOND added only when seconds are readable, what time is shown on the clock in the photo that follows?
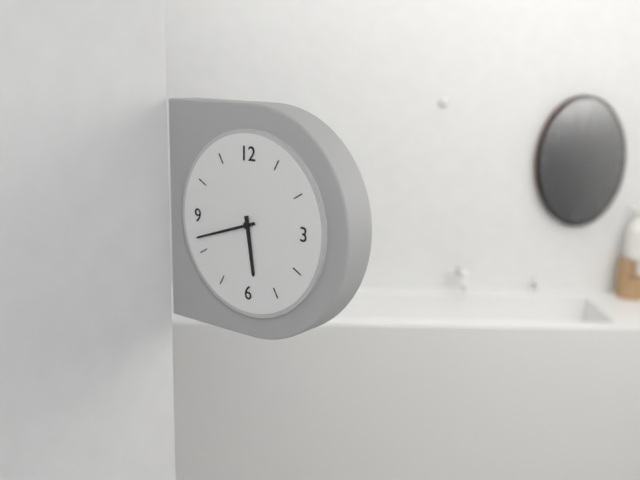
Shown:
h=5 m=42
